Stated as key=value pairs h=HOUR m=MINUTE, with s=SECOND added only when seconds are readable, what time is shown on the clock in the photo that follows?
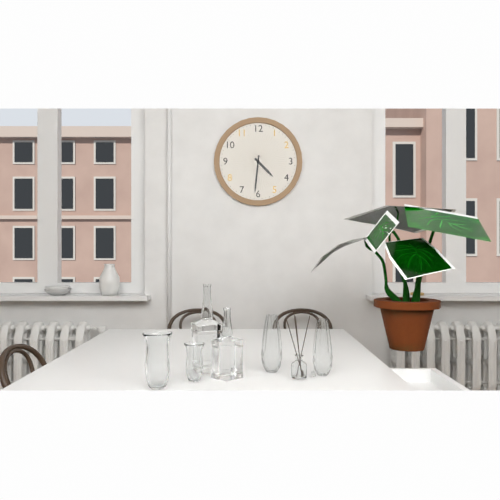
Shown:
h=4 m=31
